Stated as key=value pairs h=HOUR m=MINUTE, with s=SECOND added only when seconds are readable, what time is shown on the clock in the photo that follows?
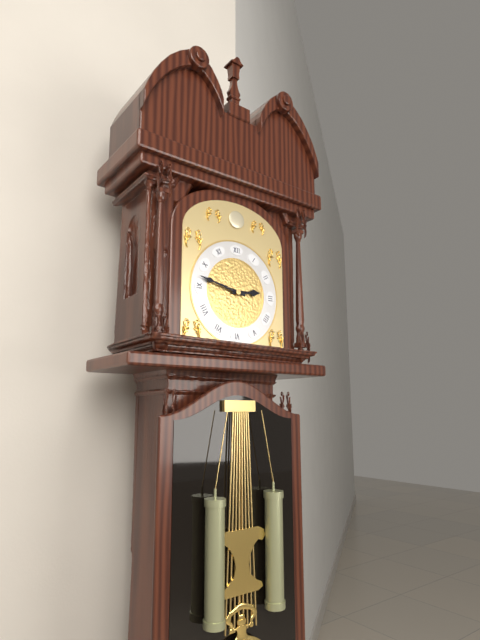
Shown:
h=2 m=47
